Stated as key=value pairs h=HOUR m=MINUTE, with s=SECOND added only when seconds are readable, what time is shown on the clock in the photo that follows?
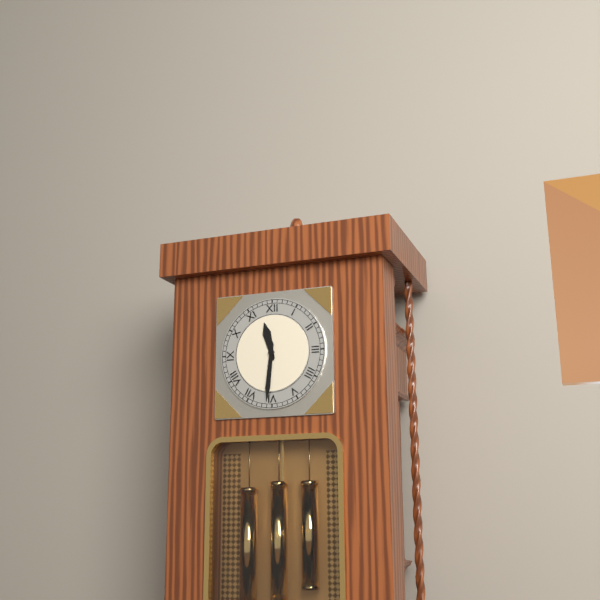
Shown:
h=11 m=31
